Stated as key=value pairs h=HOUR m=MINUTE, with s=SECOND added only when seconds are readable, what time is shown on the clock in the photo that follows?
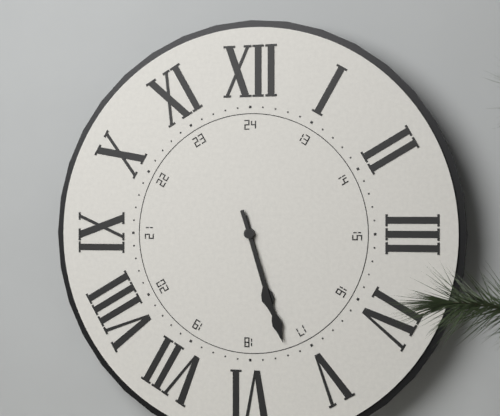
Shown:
h=5 m=27
